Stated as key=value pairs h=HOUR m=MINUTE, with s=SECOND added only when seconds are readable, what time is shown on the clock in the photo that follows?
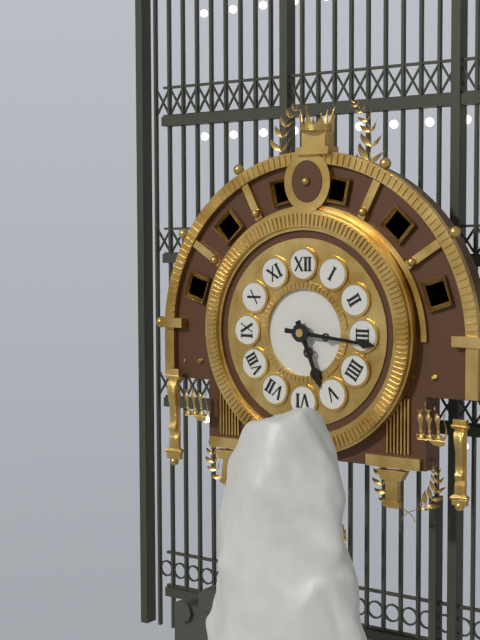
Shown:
h=5 m=16
